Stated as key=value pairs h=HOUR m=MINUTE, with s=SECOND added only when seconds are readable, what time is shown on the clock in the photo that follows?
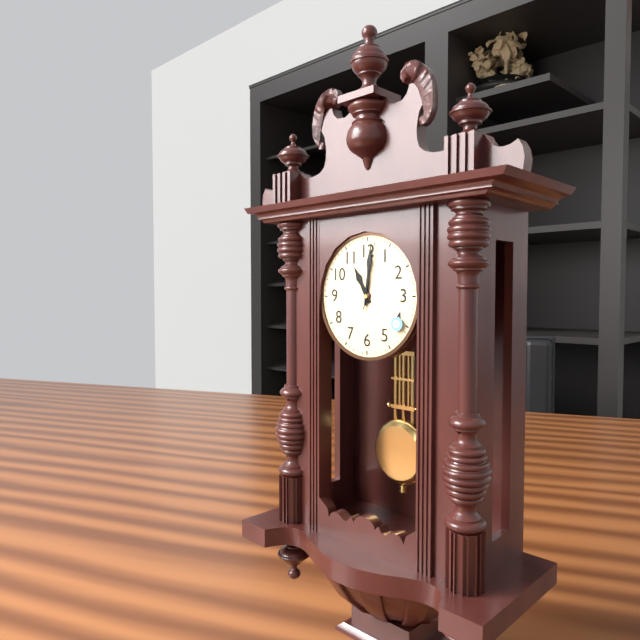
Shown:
h=11 m=1 s=2
